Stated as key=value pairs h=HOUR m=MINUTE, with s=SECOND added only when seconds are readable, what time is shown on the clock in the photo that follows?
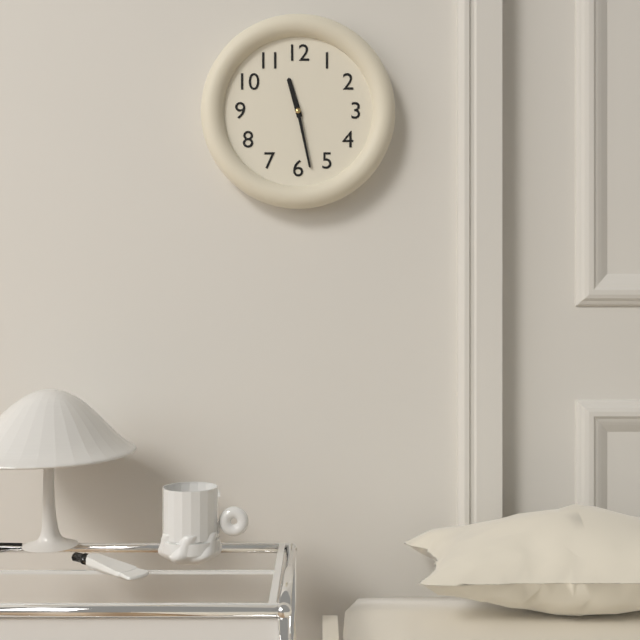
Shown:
h=11 m=28
